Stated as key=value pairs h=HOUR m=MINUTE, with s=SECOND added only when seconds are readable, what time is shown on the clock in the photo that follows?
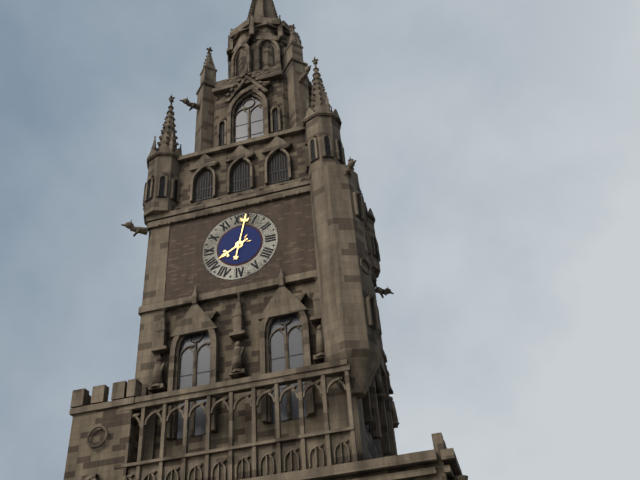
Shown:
h=8 m=2
